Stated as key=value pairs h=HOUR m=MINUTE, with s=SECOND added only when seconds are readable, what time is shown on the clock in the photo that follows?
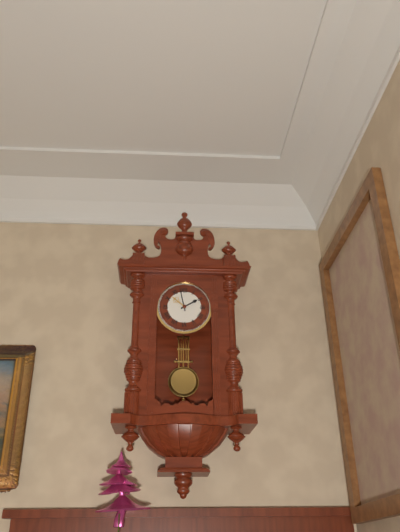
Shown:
h=1 m=58
